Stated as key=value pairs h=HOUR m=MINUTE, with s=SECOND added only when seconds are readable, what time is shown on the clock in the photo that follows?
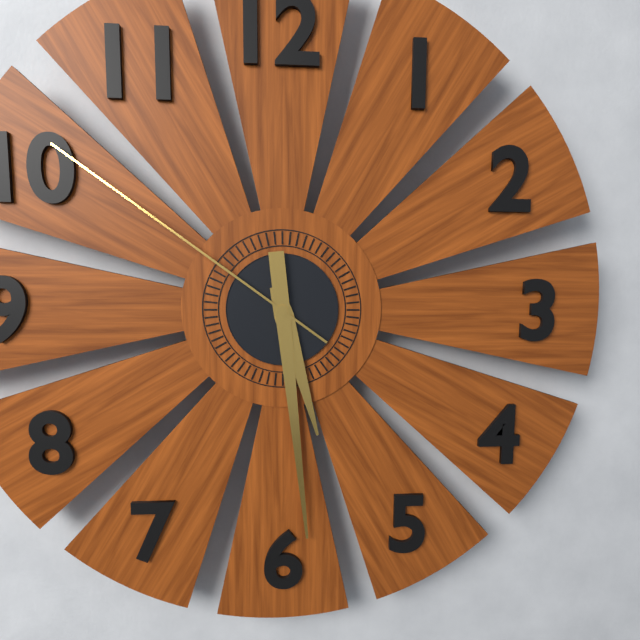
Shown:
h=5 m=29 s=51
